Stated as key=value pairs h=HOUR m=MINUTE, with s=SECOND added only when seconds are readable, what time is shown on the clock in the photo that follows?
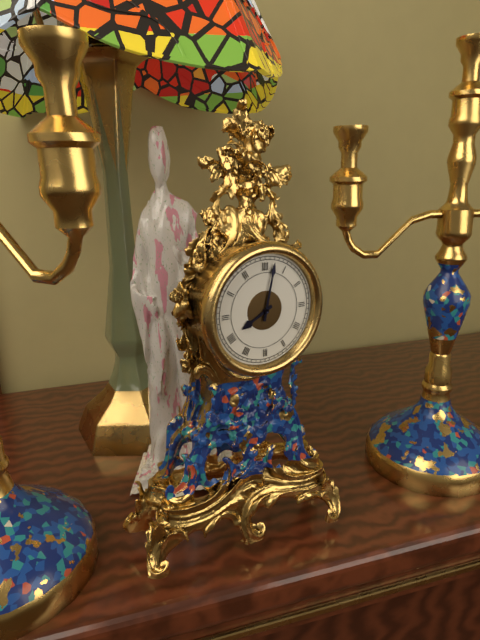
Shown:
h=8 m=2
